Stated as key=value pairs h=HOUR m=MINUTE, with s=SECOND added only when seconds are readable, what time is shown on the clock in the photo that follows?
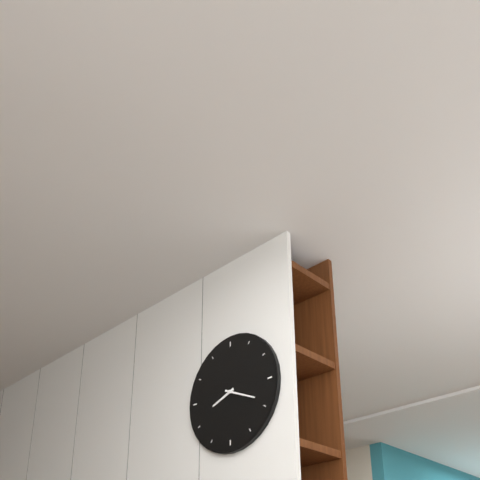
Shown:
h=8 m=19
